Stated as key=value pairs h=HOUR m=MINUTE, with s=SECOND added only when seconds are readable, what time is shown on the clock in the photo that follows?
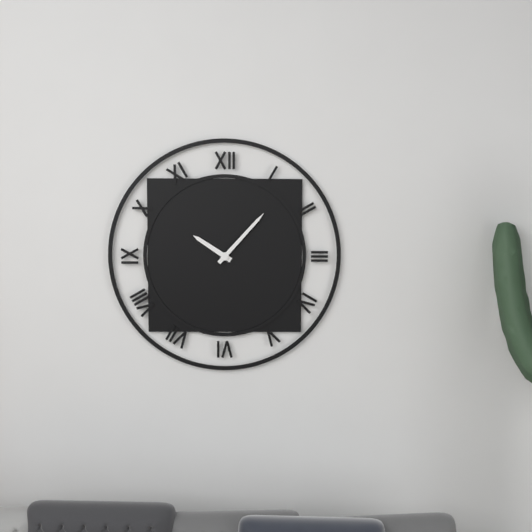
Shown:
h=10 m=7
